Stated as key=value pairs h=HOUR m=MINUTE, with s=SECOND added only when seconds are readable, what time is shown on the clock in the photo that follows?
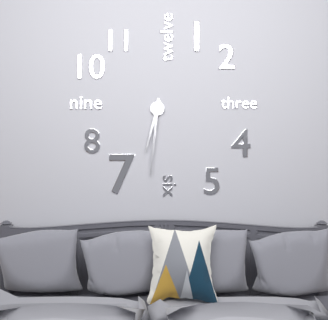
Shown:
h=6 m=31
